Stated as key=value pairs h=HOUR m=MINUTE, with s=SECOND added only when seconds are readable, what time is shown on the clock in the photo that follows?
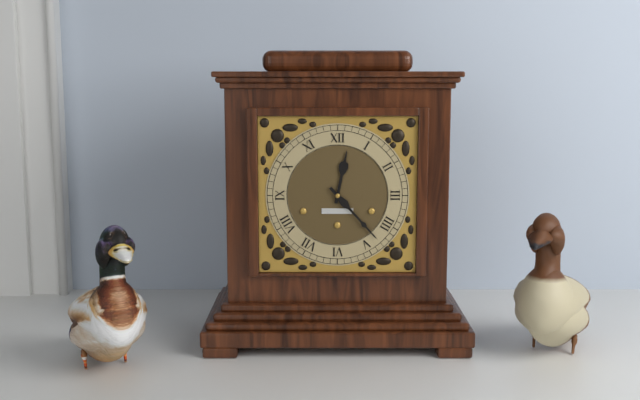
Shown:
h=12 m=23
